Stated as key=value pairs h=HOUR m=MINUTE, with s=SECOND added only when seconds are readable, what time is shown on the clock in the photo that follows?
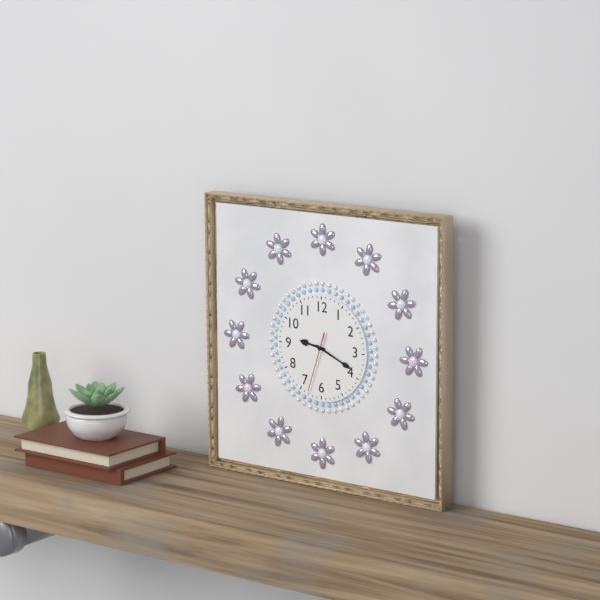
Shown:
h=9 m=19 s=33
